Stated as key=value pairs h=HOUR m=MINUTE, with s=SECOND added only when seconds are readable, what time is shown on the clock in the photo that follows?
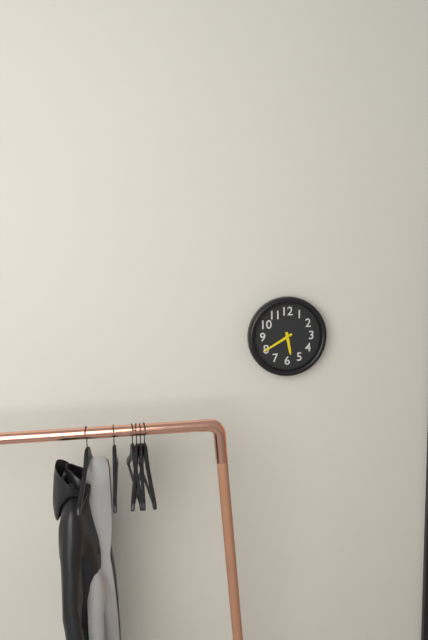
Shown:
h=5 m=40
